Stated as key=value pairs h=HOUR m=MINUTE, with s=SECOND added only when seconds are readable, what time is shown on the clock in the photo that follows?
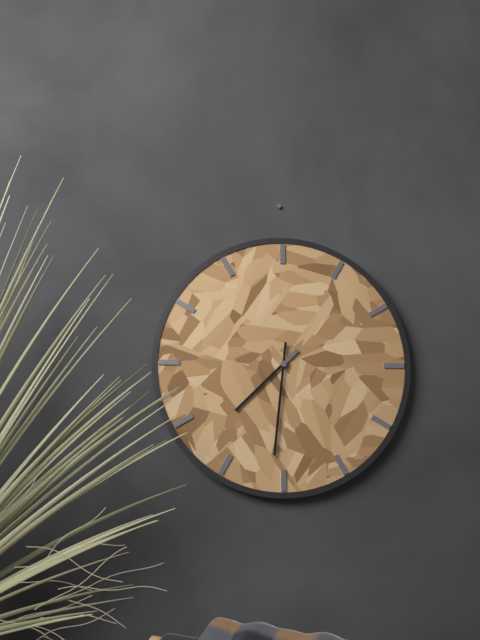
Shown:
h=7 m=31
